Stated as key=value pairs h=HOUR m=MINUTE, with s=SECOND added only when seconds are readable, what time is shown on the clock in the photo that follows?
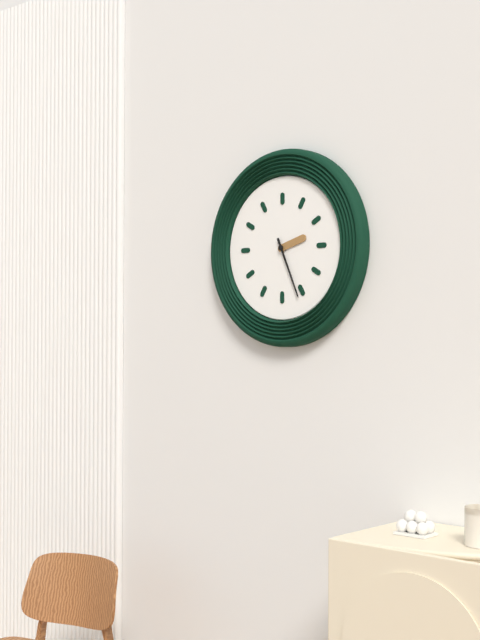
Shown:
h=2 m=26
